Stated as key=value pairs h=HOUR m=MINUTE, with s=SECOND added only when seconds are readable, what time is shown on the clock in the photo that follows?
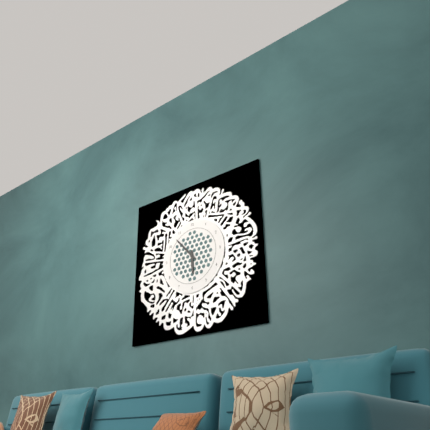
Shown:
h=5 m=53
